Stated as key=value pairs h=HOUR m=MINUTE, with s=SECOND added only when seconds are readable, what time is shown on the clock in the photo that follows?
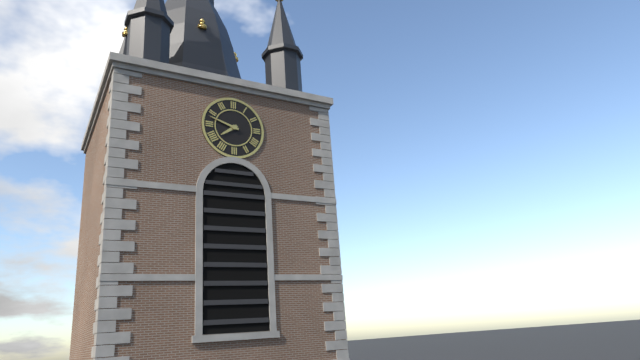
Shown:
h=7 m=48
